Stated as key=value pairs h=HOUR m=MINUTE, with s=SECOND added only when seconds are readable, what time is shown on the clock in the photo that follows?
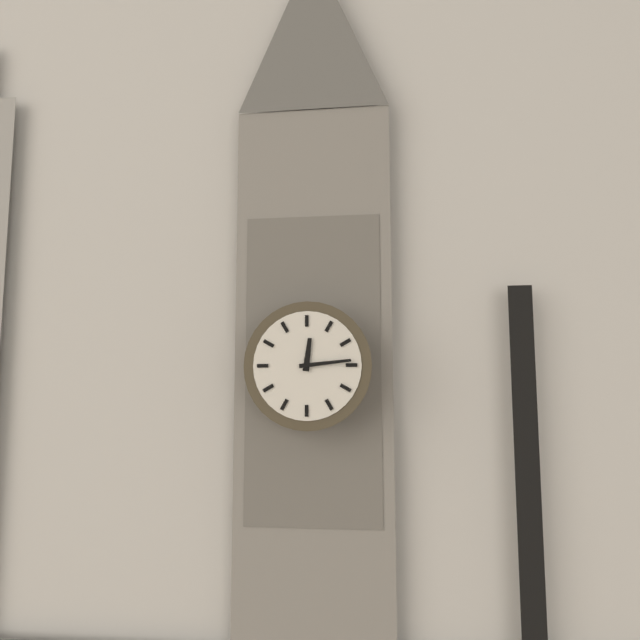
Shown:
h=12 m=14
